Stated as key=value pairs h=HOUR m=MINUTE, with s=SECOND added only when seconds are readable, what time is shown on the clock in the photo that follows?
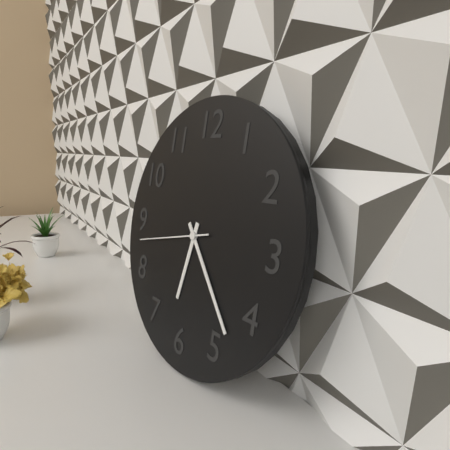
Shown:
h=6 m=23 s=43
